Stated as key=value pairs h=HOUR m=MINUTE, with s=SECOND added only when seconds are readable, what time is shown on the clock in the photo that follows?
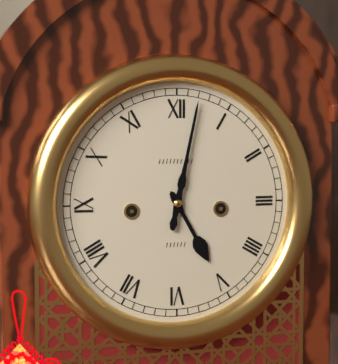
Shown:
h=5 m=2
